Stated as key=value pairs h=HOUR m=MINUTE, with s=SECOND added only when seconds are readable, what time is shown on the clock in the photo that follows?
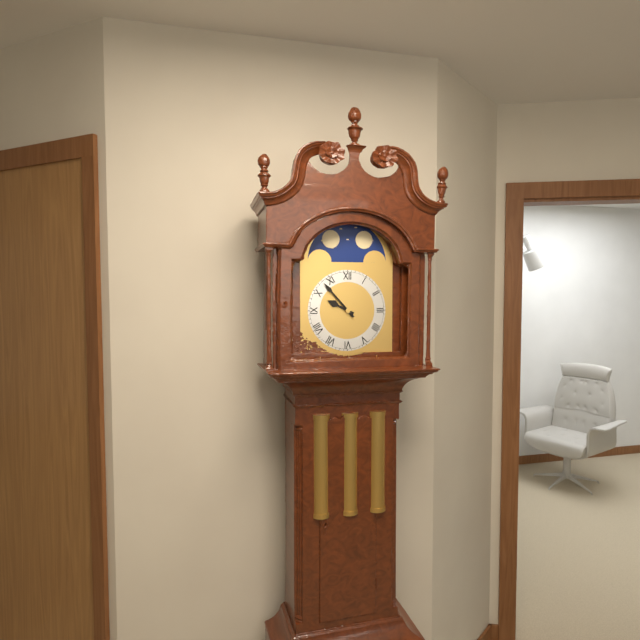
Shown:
h=9 m=53
